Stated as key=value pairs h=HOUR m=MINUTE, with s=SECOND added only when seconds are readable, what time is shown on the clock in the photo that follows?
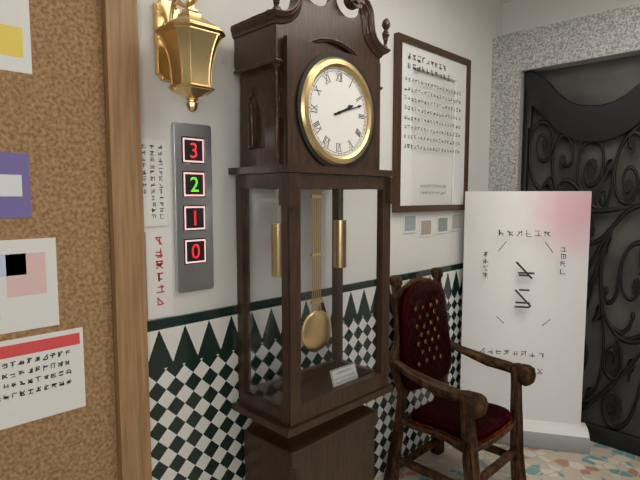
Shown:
h=2 m=12
